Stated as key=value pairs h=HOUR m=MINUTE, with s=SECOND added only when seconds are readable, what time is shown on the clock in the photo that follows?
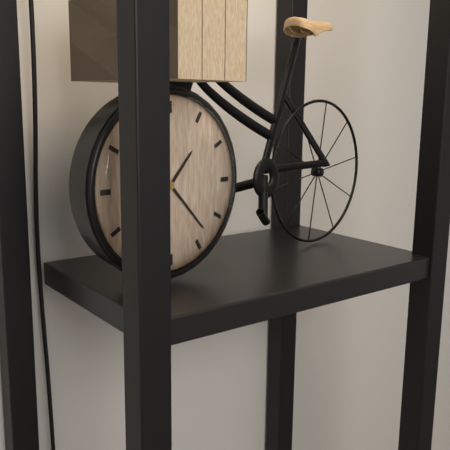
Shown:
h=1 m=23
